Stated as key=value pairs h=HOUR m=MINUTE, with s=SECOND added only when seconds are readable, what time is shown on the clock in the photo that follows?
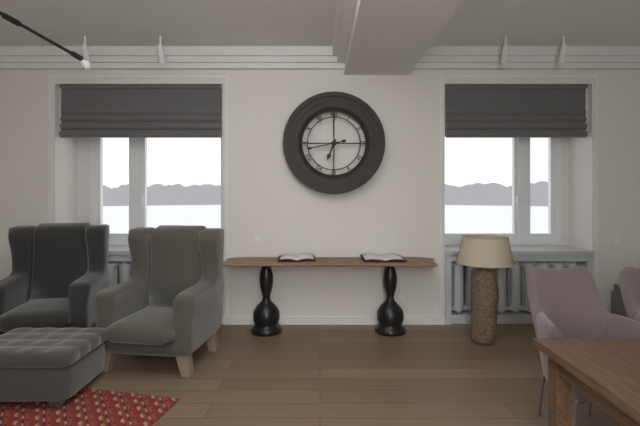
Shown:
h=6 m=43
